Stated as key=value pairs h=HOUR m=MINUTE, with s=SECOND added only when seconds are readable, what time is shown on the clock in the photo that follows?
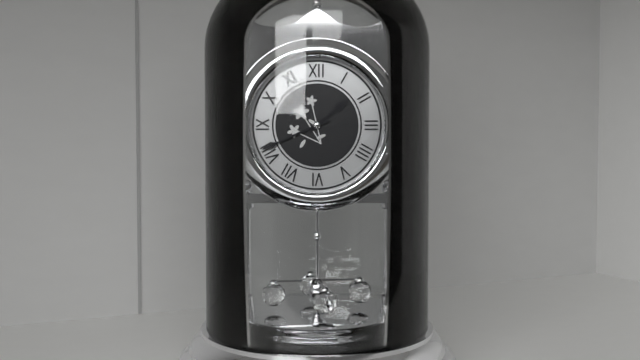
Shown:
h=1 m=41
